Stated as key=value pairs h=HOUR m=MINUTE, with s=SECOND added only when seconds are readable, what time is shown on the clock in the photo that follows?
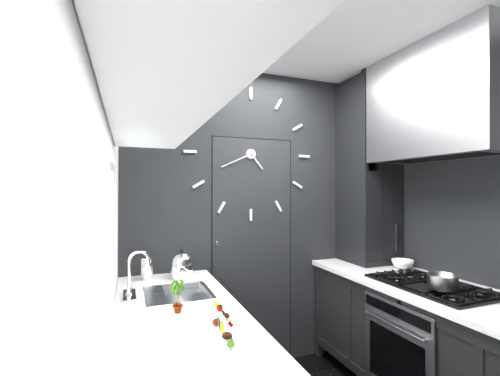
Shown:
h=4 m=41
